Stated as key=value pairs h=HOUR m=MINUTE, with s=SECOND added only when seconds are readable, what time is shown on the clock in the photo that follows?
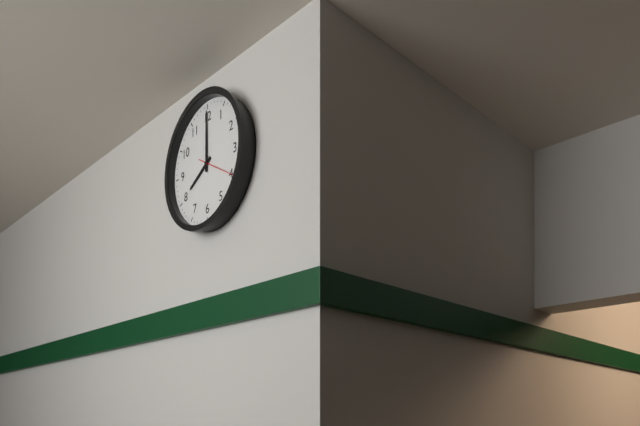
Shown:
h=8 m=0
